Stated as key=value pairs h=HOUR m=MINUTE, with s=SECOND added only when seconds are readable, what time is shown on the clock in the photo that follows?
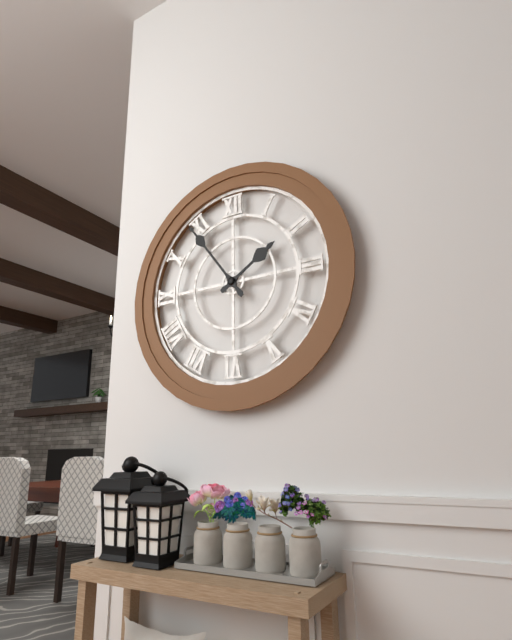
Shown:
h=1 m=54
